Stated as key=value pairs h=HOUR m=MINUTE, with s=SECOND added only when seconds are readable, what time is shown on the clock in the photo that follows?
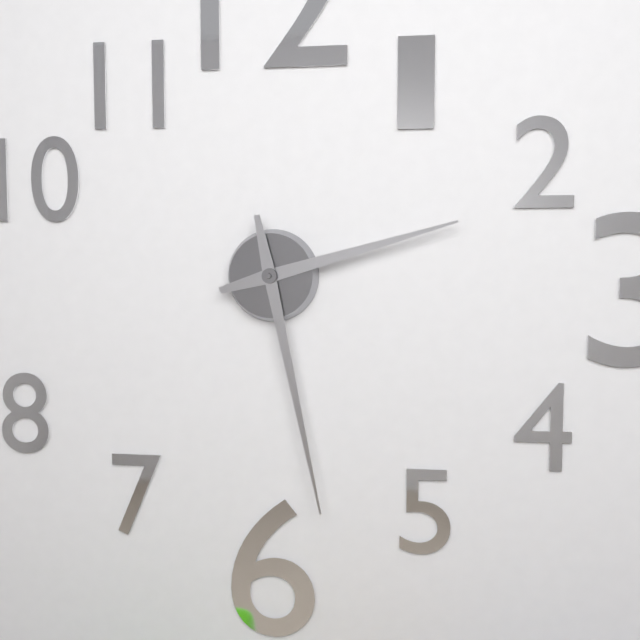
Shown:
h=2 m=28
